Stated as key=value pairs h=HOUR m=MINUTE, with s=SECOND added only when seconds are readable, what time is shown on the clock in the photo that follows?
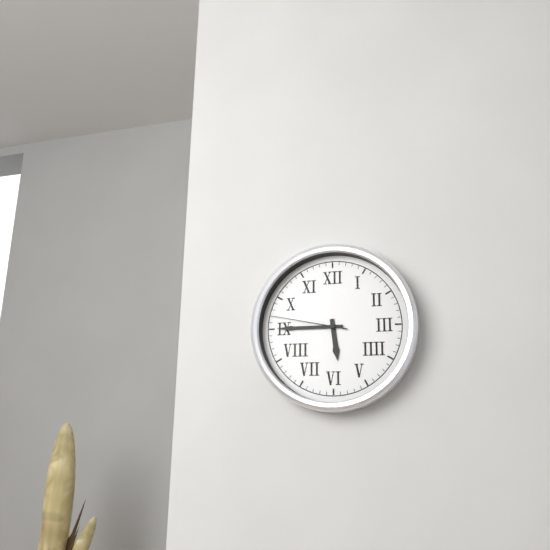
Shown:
h=5 m=45 s=47
